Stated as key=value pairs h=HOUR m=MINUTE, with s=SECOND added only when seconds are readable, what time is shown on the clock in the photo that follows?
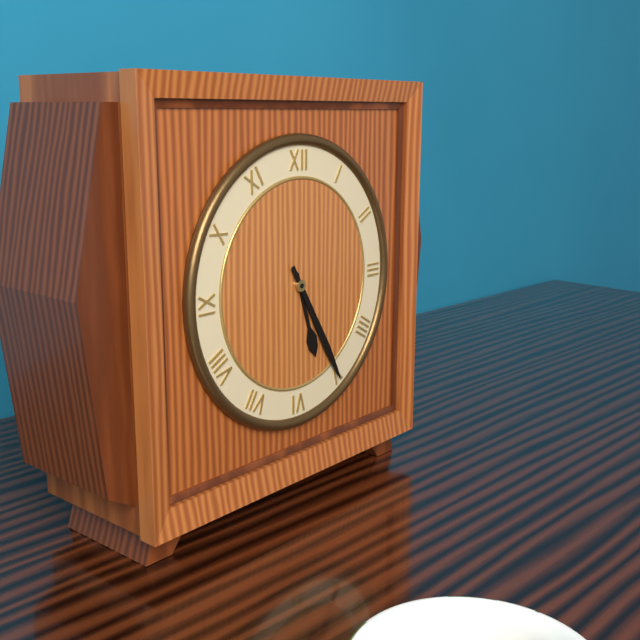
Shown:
h=5 m=25
